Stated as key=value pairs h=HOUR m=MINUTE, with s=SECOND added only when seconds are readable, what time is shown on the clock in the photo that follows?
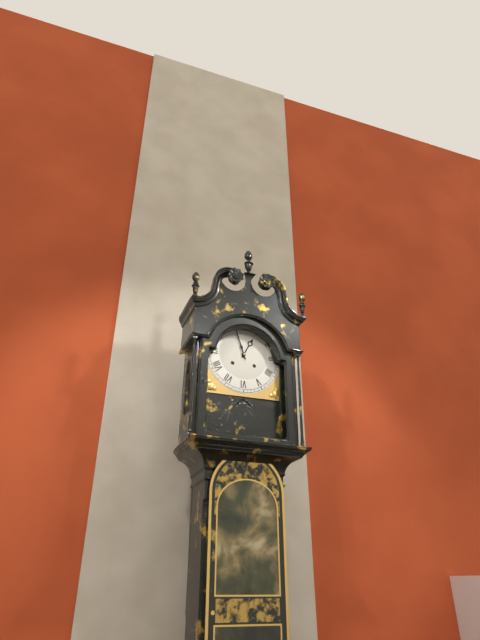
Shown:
h=12 m=57
